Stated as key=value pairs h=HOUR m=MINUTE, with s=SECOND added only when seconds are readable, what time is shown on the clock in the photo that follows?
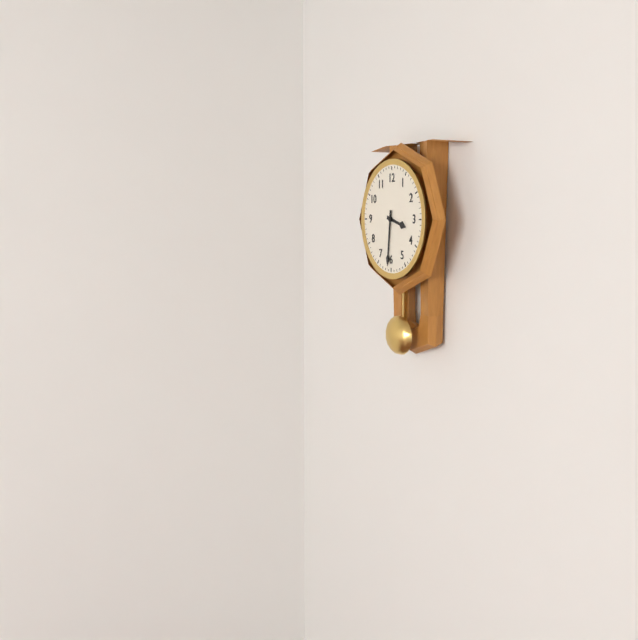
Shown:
h=3 m=31
